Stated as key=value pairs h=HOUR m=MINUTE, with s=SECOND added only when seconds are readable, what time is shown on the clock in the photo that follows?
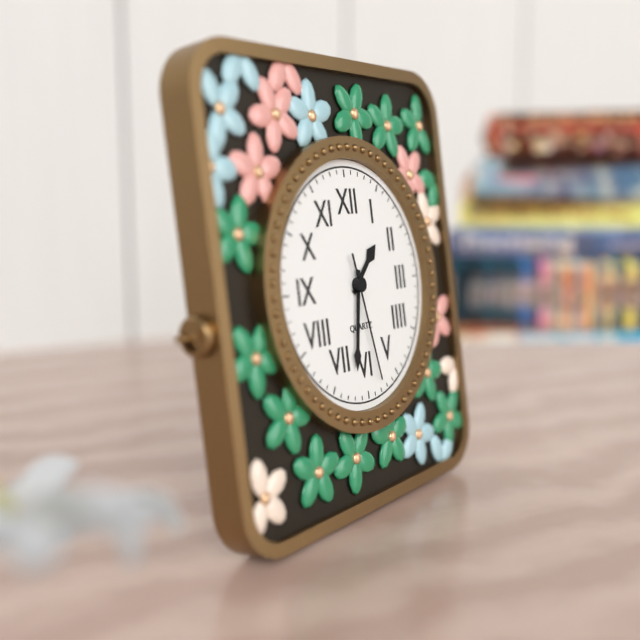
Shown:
h=1 m=32 s=28
